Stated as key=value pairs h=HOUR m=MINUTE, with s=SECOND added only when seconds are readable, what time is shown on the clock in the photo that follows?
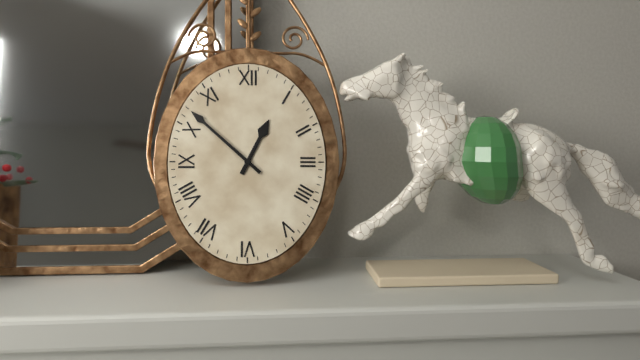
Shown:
h=12 m=52
